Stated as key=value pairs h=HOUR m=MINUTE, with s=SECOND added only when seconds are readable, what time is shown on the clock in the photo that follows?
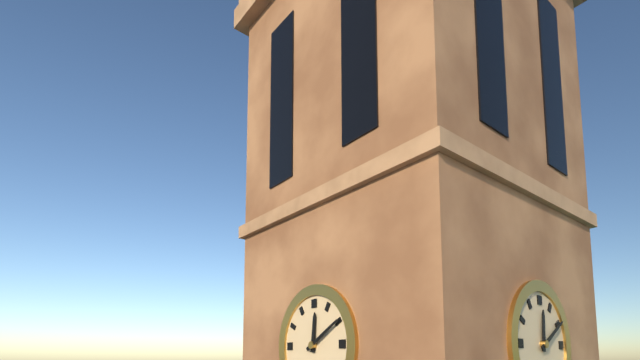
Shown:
h=12 m=10
